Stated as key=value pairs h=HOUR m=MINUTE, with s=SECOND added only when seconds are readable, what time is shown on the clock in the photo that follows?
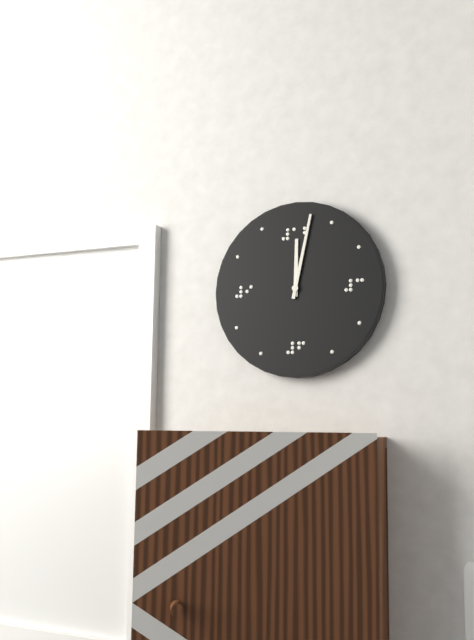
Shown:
h=12 m=2
